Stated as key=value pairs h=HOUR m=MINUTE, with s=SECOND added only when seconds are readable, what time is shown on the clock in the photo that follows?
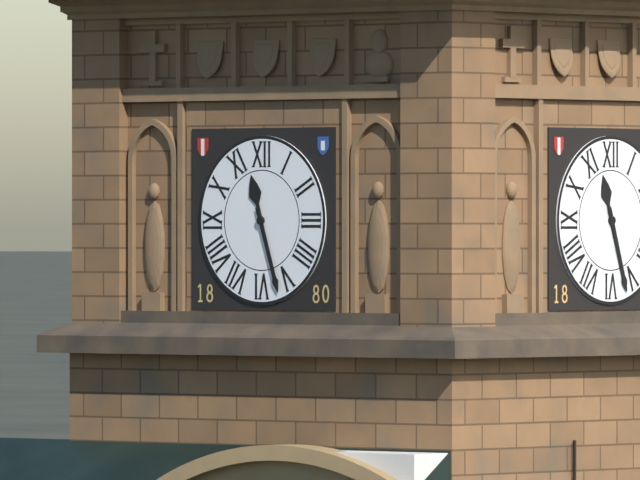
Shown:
h=11 m=27
